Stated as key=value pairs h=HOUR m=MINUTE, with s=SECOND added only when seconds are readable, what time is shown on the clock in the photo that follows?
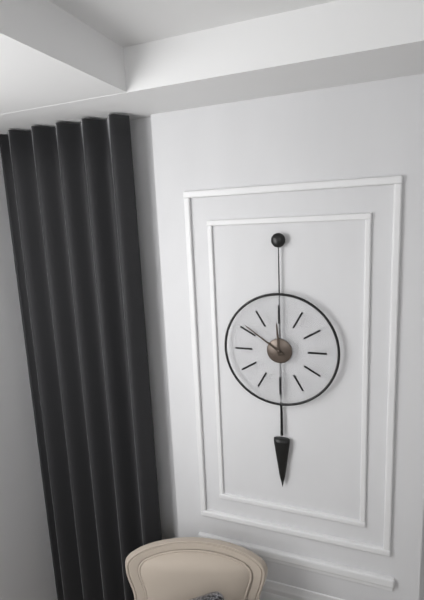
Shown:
h=11 m=51
